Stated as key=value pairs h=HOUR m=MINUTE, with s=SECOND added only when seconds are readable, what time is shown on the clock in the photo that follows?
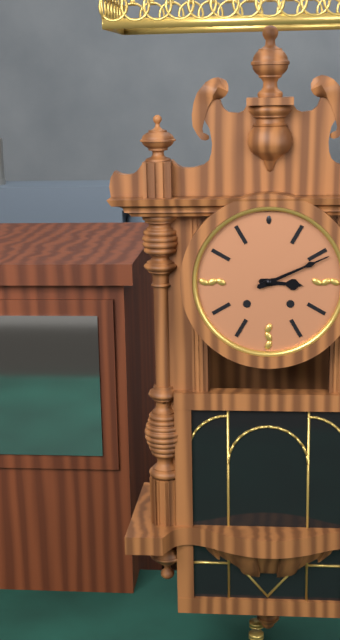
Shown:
h=3 m=11
